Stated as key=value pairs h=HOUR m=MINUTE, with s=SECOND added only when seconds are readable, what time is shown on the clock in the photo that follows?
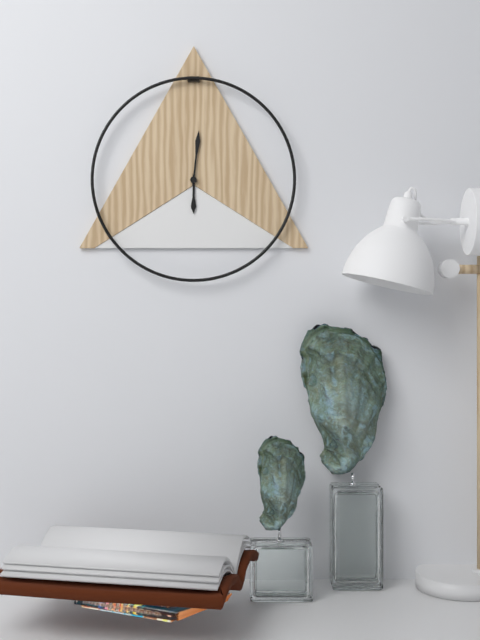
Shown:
h=6 m=1
